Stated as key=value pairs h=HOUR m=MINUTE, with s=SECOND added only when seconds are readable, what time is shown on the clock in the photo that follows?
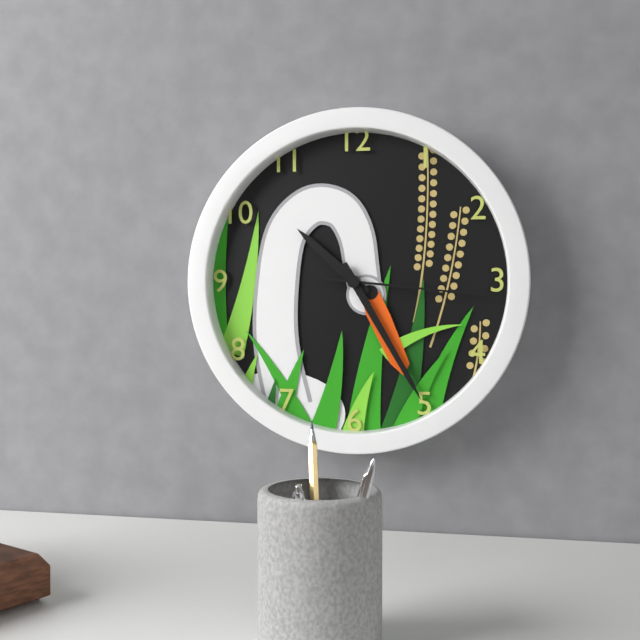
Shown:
h=10 m=25 s=16
